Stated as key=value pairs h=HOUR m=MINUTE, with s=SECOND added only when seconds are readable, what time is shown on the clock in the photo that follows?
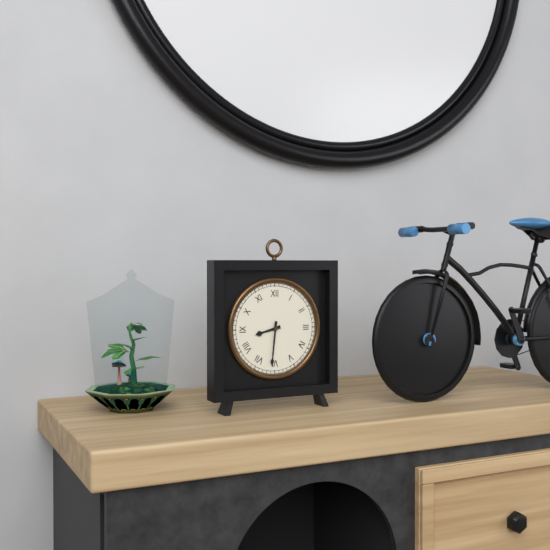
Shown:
h=8 m=31
